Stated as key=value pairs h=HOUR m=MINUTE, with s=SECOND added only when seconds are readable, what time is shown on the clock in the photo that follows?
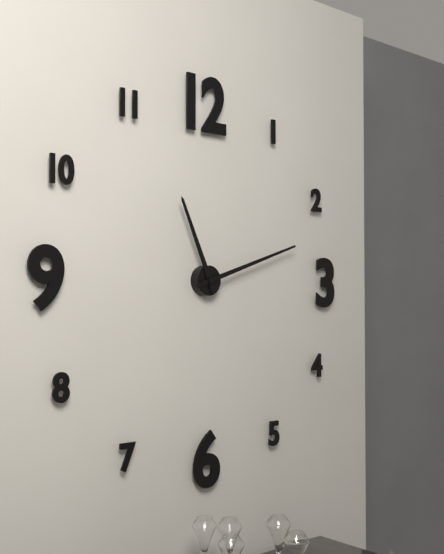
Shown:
h=11 m=12
